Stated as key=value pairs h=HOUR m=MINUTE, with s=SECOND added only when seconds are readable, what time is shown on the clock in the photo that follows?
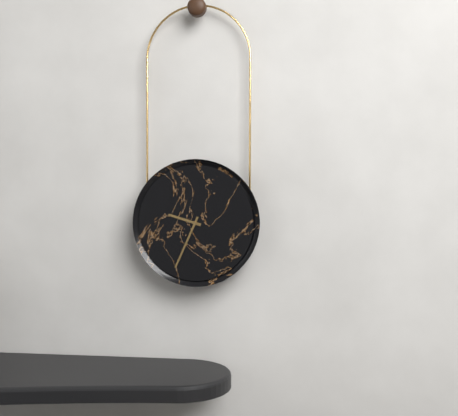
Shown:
h=9 m=34
